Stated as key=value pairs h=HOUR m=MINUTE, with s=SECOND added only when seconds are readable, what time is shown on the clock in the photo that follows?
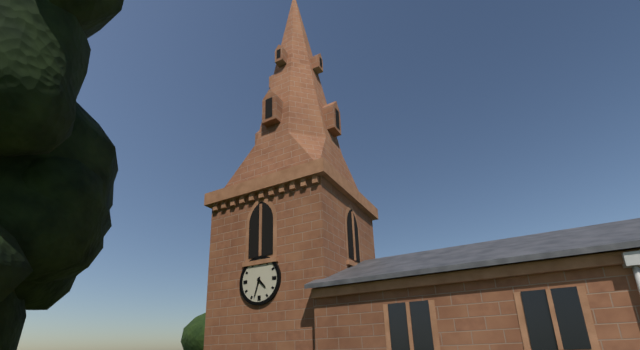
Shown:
h=4 m=33
